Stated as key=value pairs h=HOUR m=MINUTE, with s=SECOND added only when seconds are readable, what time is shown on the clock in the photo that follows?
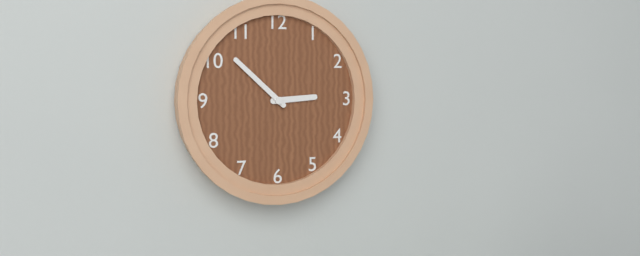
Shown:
h=2 m=52
